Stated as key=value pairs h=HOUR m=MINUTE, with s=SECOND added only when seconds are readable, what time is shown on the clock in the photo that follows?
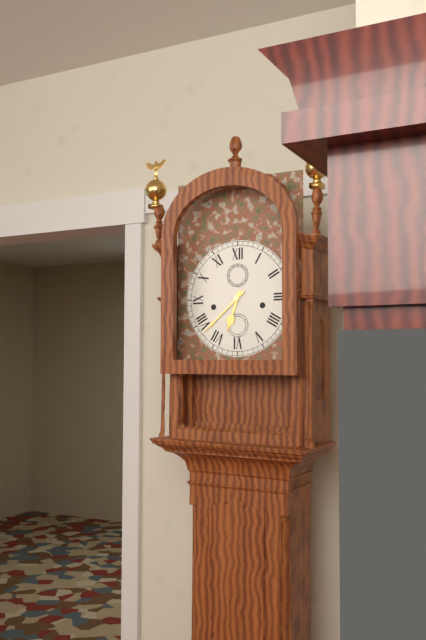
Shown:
h=6 m=38
